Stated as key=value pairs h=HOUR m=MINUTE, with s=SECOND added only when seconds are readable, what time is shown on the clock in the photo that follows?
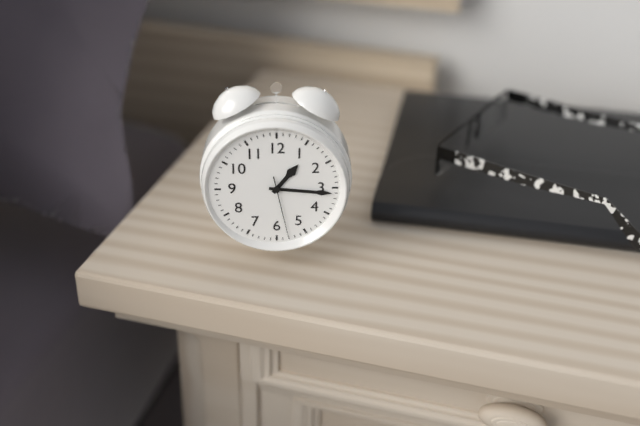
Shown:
h=1 m=16 s=28
